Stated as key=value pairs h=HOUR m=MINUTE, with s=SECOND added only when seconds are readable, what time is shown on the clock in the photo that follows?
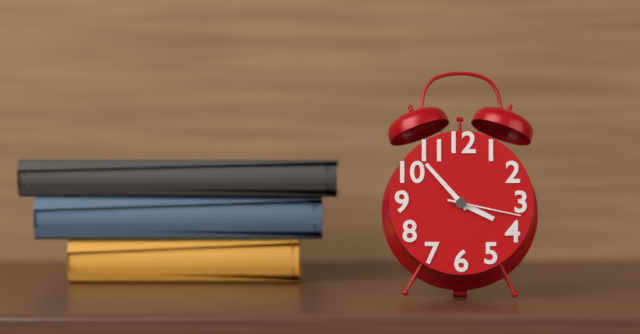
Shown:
h=3 m=53 s=17
